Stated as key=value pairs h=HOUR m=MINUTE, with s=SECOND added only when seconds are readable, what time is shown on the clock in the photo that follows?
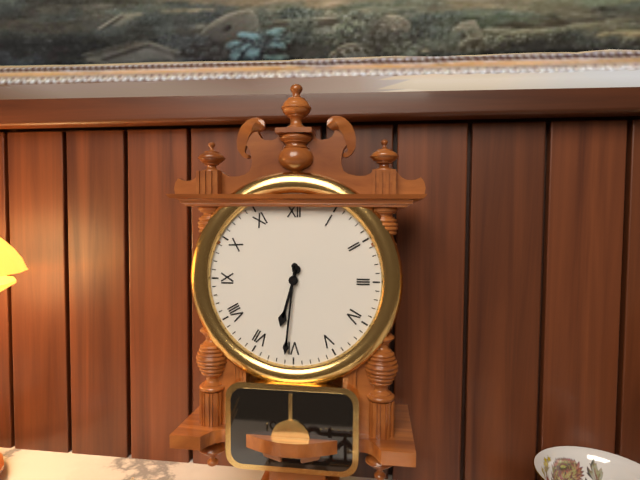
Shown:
h=6 m=31
